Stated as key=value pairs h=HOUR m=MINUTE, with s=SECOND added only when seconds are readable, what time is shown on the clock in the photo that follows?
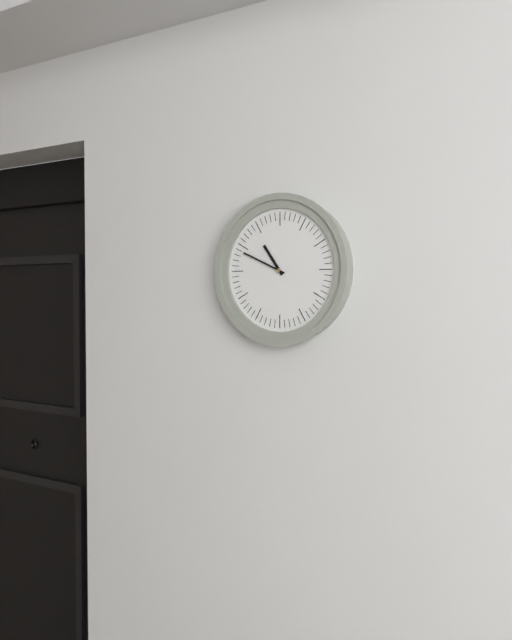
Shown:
h=10 m=49
